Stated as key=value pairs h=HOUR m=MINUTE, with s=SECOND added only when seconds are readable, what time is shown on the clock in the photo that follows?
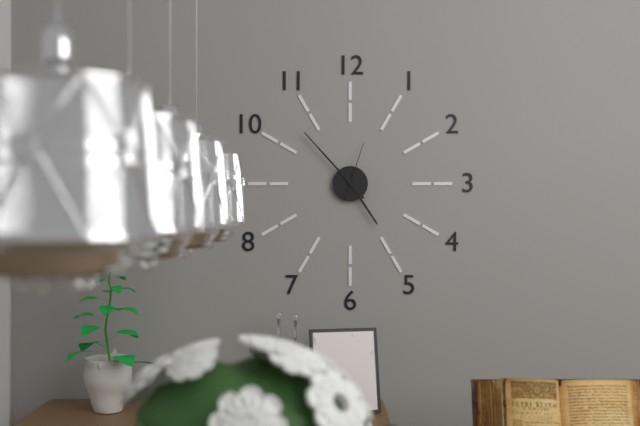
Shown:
h=4 m=53 s=3
